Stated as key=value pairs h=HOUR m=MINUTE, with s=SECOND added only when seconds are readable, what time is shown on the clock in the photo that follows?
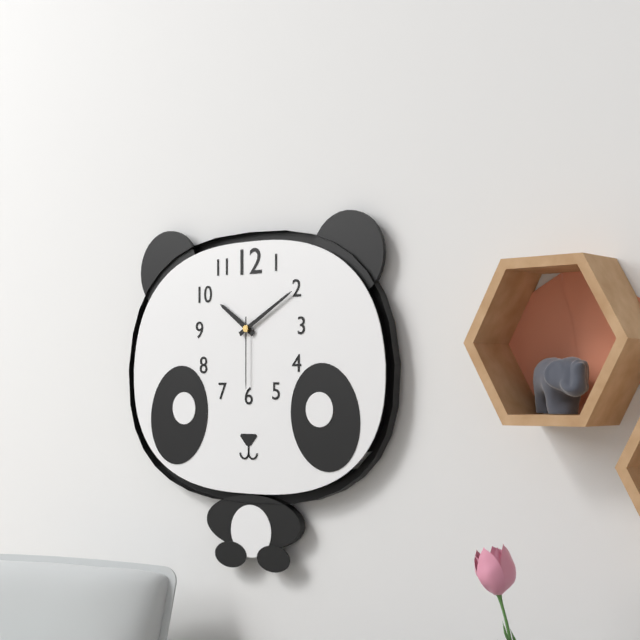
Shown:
h=10 m=10 s=30
